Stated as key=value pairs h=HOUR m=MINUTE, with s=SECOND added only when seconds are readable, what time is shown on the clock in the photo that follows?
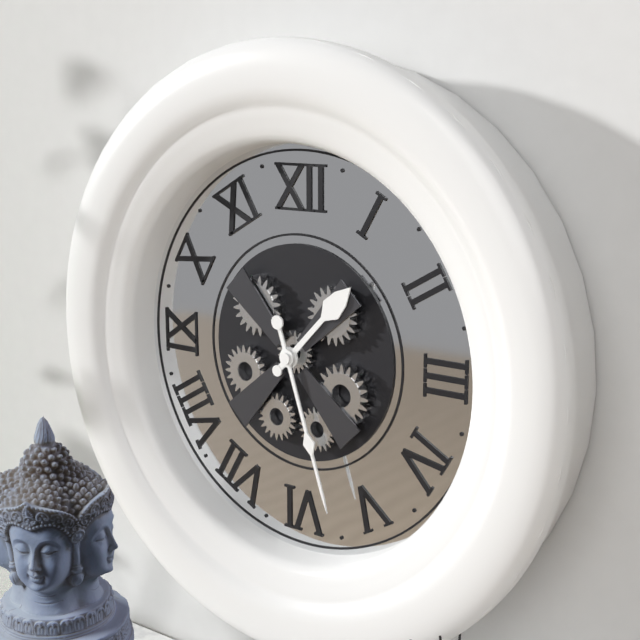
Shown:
h=1 m=27
